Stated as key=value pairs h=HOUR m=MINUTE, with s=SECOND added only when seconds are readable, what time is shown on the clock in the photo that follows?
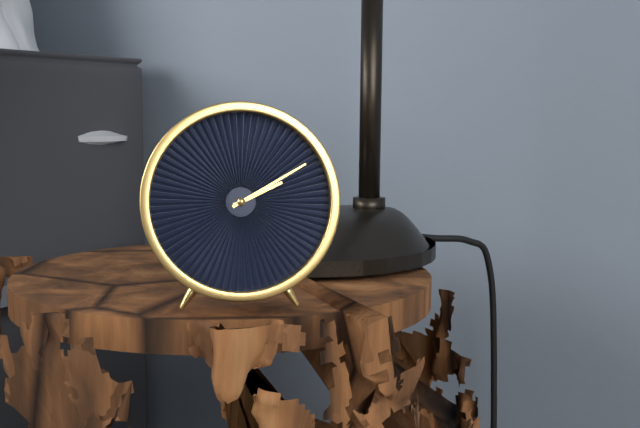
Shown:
h=2 m=10
